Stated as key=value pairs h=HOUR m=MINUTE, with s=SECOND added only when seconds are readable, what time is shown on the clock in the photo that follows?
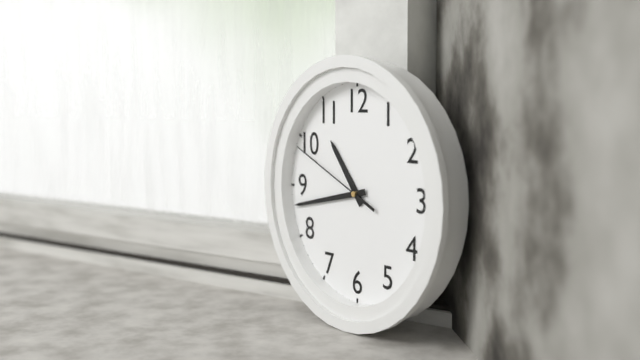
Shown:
h=10 m=43 s=49
